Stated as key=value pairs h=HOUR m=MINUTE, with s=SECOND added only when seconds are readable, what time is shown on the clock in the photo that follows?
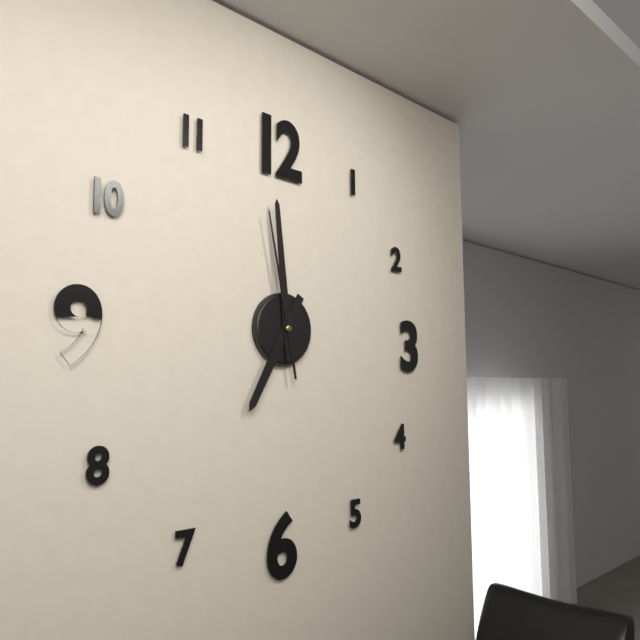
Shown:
h=6 m=59 s=58
